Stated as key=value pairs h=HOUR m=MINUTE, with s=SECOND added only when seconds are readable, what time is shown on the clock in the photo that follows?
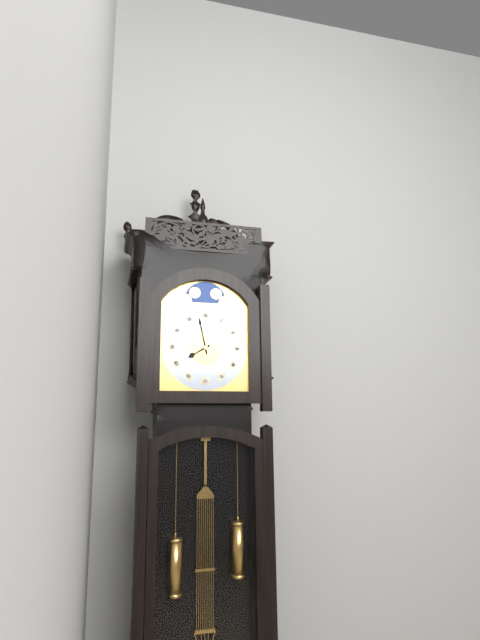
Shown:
h=7 m=58
